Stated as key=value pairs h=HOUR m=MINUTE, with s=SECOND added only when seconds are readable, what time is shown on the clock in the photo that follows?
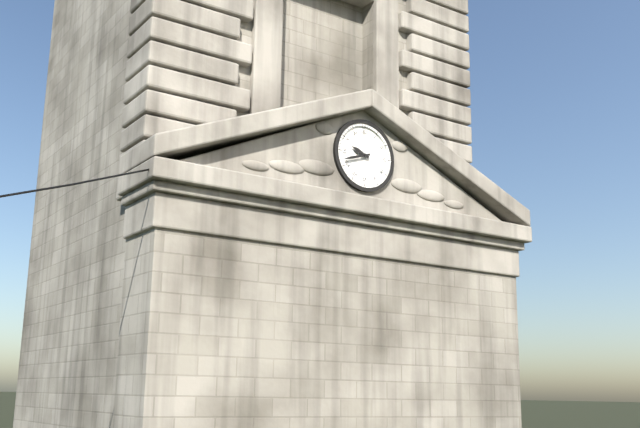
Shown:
h=9 m=42
